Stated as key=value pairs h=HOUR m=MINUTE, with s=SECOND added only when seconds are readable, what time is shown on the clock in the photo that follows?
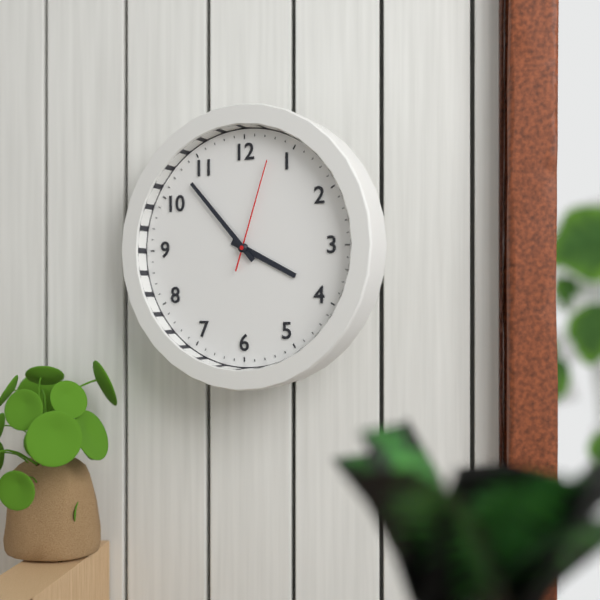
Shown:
h=3 m=53 s=3
